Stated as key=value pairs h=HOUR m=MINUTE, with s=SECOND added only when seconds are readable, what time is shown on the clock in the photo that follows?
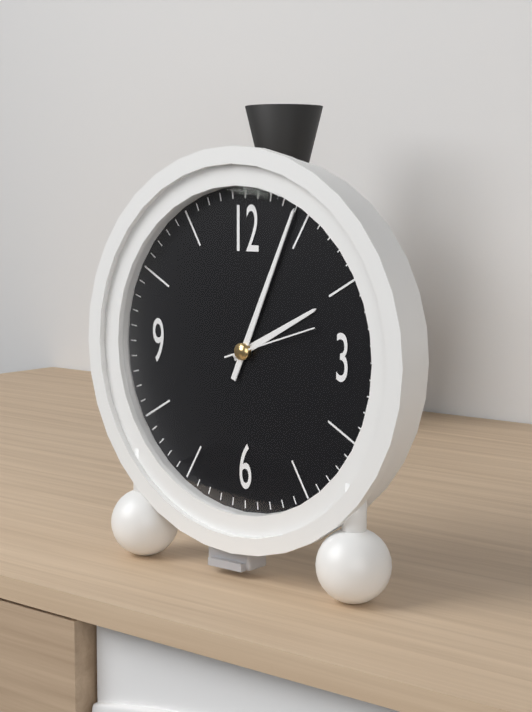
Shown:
h=2 m=4 s=12
